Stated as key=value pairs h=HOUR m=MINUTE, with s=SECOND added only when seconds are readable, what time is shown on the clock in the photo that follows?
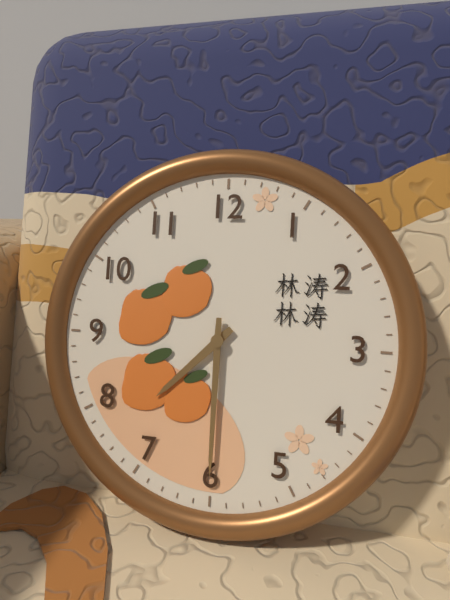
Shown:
h=7 m=30
